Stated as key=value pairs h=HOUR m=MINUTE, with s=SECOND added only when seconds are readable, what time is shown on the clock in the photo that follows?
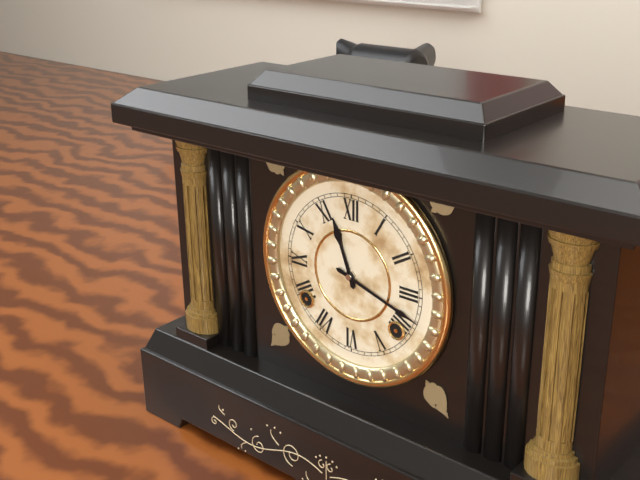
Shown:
h=11 m=18
